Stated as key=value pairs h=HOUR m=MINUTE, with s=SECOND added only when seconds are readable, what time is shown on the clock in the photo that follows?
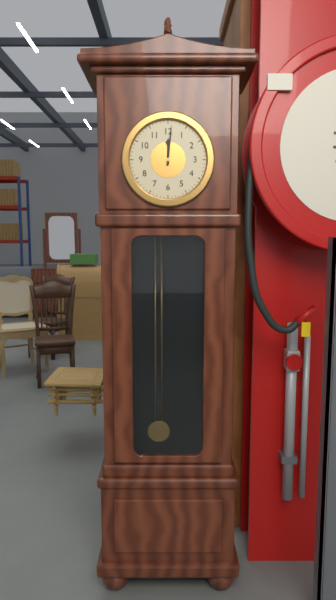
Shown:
h=12 m=1
